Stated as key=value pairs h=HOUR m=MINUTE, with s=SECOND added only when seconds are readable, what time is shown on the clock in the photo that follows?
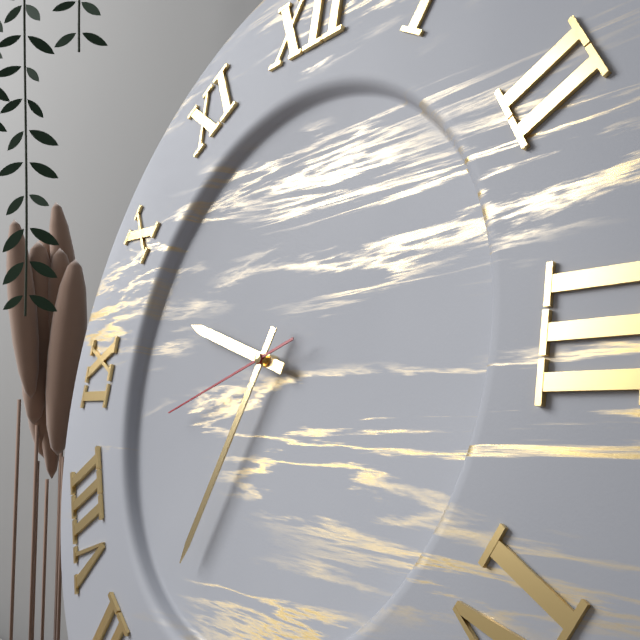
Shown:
h=9 m=34 s=42
